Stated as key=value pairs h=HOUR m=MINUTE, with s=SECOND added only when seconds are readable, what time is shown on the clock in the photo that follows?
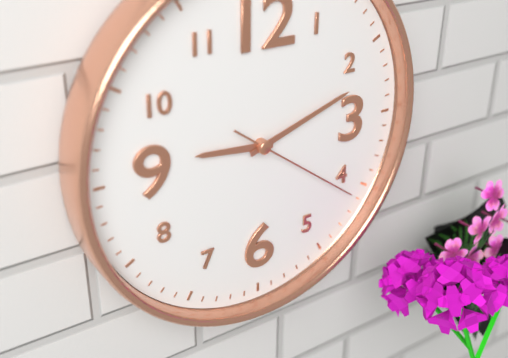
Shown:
h=9 m=12 s=21
